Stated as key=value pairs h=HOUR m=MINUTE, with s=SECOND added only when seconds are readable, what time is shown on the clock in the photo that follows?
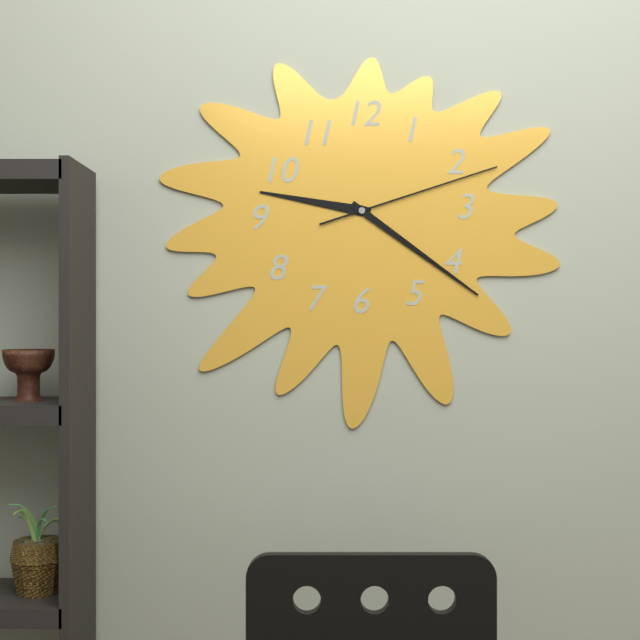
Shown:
h=9 m=21 s=12
